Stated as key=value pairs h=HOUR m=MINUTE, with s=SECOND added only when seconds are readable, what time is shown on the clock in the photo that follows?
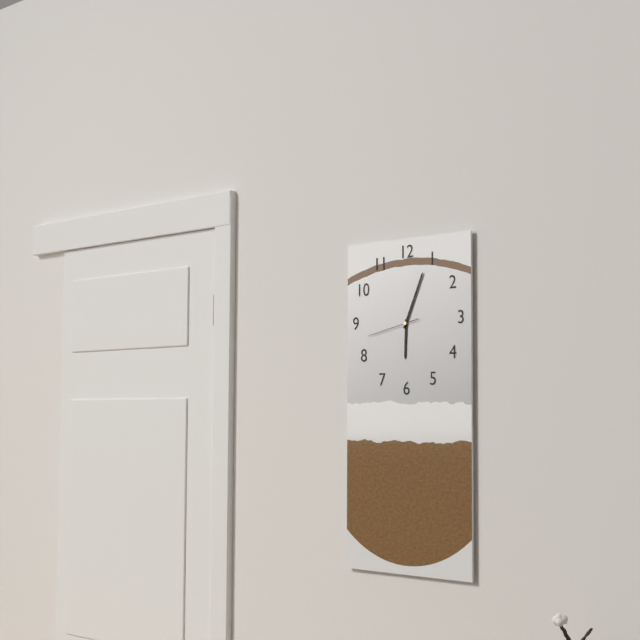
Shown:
h=6 m=4 s=43
